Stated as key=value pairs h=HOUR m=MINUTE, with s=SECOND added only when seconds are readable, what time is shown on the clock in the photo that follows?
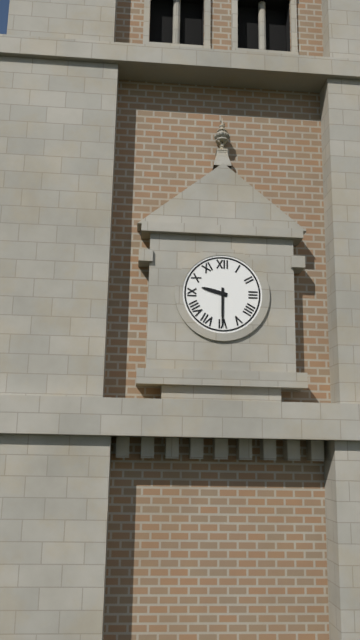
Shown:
h=9 m=30
